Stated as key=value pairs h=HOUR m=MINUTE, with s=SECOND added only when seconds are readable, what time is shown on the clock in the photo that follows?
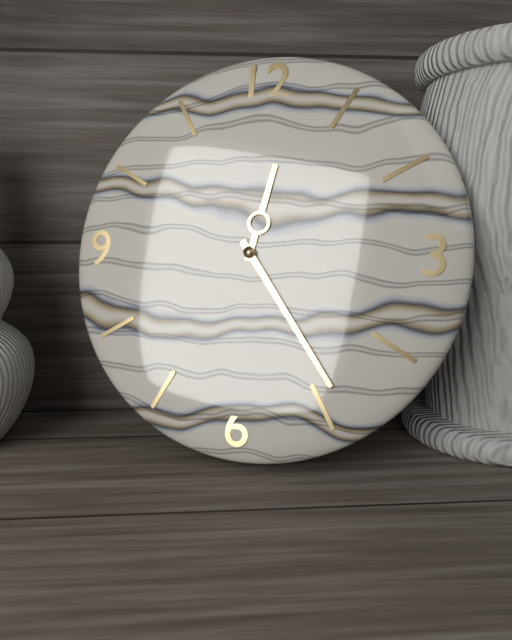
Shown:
h=12 m=24
